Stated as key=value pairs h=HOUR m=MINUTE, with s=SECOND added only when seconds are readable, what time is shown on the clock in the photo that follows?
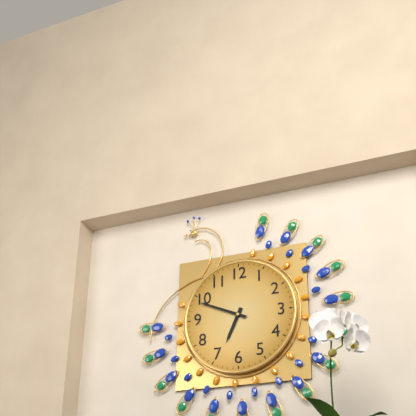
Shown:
h=6 m=49
